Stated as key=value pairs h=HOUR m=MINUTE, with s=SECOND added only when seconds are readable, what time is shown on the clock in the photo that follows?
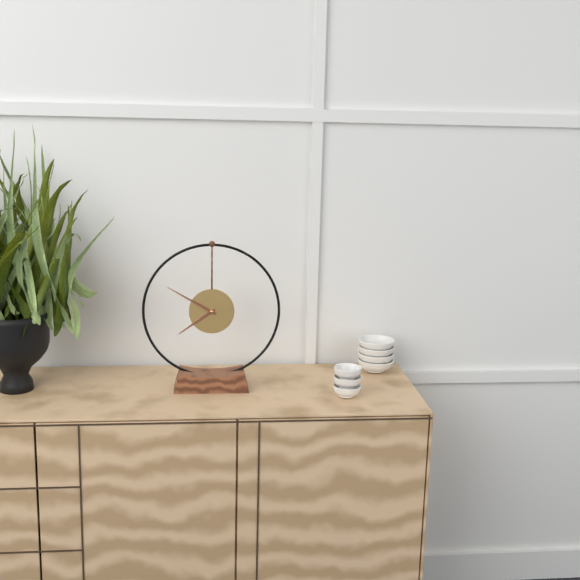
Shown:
h=7 m=50
